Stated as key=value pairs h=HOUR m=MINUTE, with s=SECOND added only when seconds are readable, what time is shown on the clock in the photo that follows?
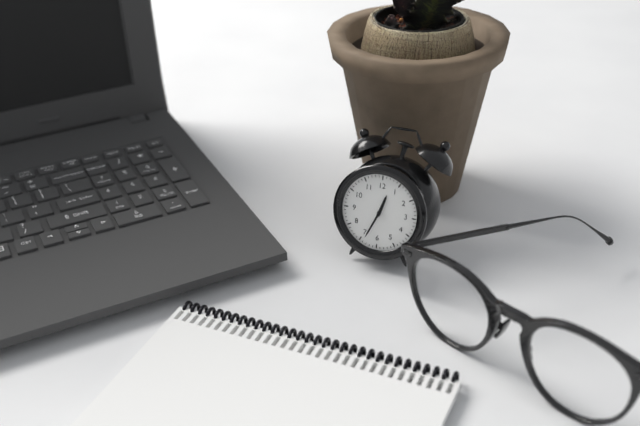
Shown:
h=12 m=34
